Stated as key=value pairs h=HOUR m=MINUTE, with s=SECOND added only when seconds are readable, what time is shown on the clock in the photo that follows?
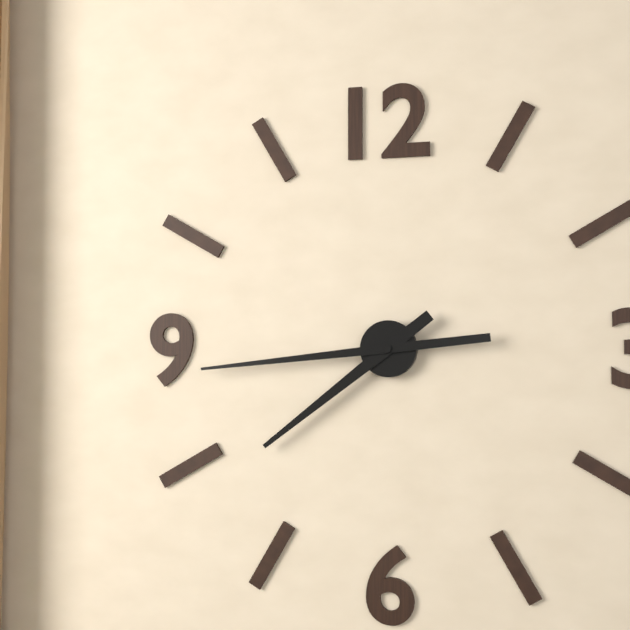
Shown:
h=7 m=44
